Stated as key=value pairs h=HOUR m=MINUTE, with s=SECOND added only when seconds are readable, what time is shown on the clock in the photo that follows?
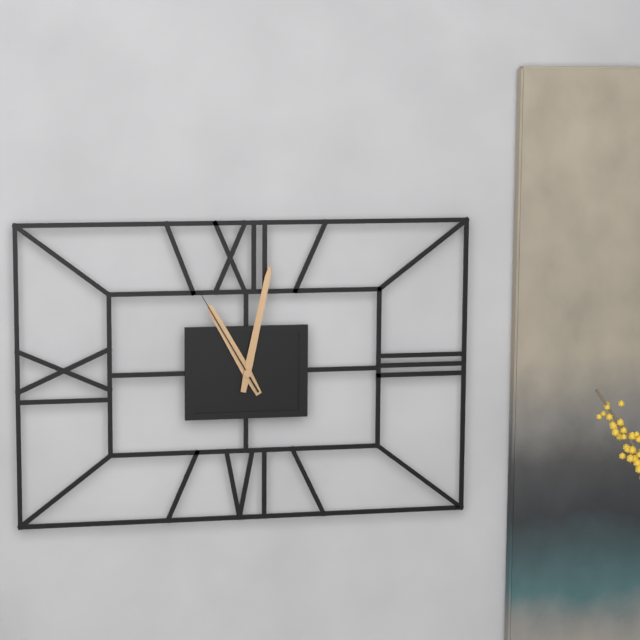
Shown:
h=11 m=2 s=55
